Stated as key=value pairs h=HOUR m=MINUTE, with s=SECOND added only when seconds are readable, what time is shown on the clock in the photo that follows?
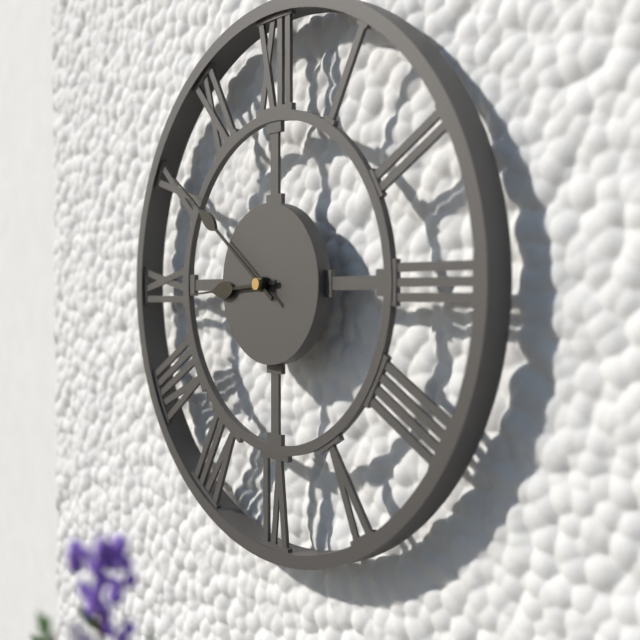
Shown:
h=8 m=51
